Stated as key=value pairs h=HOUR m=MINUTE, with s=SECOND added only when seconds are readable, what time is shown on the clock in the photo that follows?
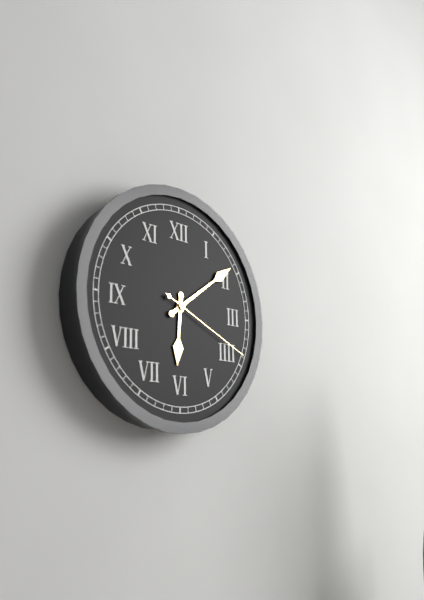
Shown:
h=6 m=9 s=19
